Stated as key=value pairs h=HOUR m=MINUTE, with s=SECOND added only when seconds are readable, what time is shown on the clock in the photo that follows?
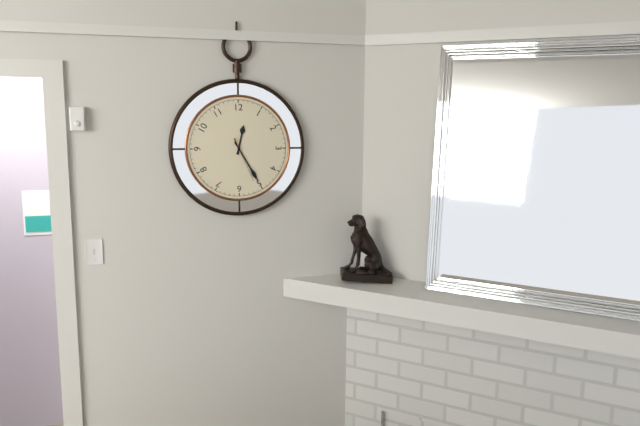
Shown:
h=12 m=25
